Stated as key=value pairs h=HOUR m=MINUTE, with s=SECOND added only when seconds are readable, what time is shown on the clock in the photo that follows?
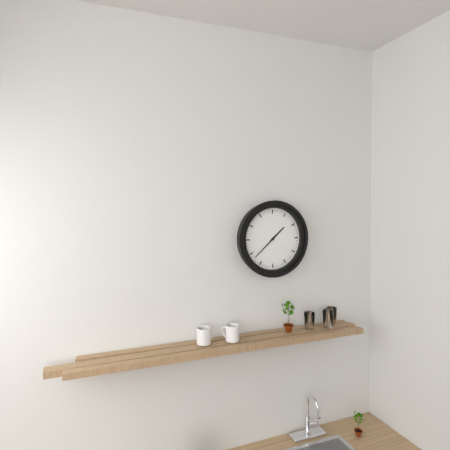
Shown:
h=1 m=38
